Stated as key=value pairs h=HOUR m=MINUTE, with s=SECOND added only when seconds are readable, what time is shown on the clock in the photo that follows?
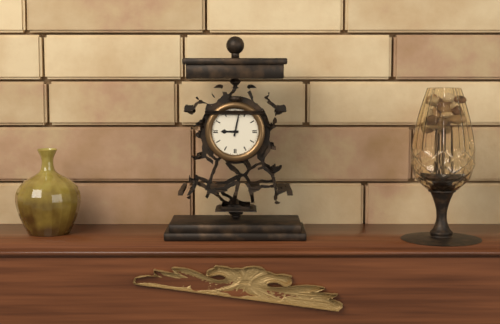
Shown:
h=9 m=2
